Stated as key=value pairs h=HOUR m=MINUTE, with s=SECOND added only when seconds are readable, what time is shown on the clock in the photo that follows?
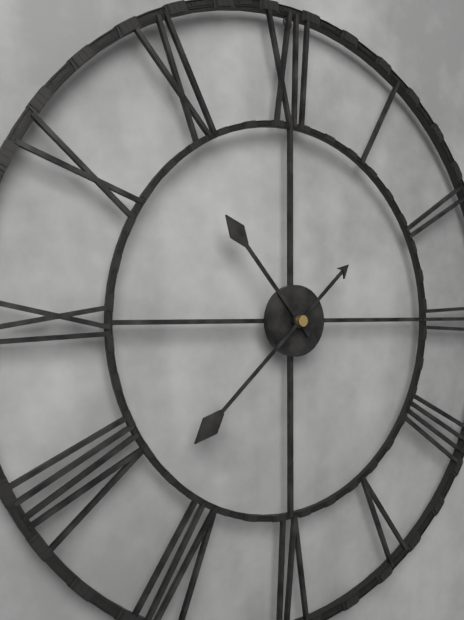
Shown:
h=10 m=38
